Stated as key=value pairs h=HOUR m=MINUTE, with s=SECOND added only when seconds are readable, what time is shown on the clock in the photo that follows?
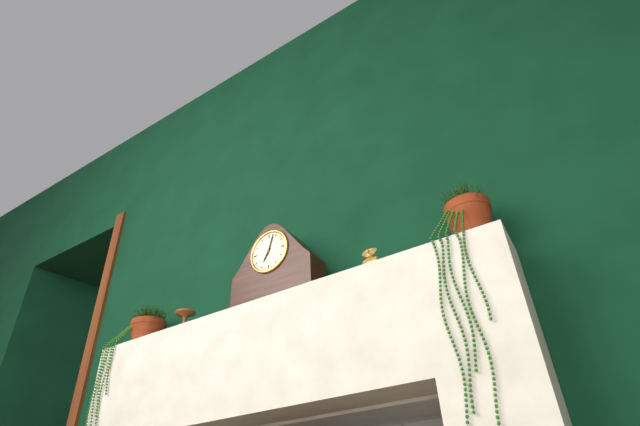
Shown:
h=7 m=3
